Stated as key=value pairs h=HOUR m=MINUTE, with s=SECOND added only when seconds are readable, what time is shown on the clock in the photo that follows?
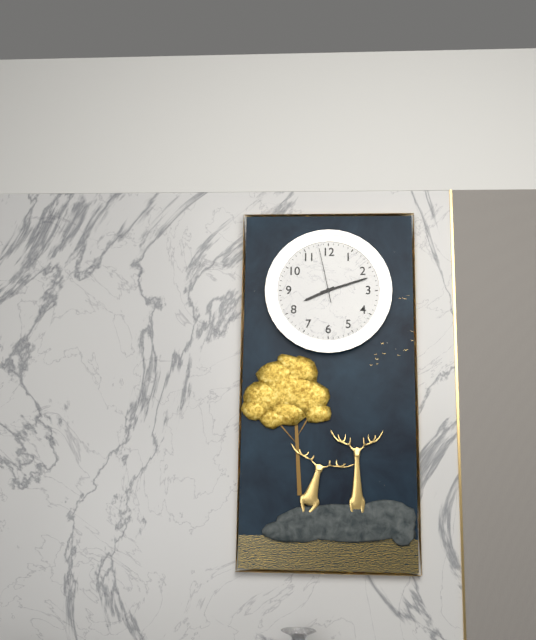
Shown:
h=8 m=12 s=58
